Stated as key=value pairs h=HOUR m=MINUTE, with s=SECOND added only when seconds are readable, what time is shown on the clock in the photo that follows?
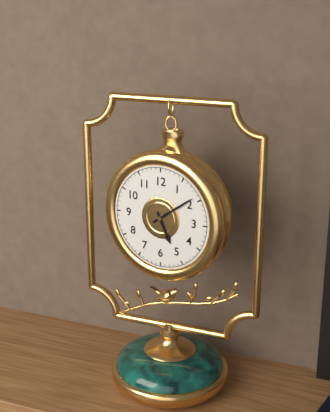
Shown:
h=5 m=9
